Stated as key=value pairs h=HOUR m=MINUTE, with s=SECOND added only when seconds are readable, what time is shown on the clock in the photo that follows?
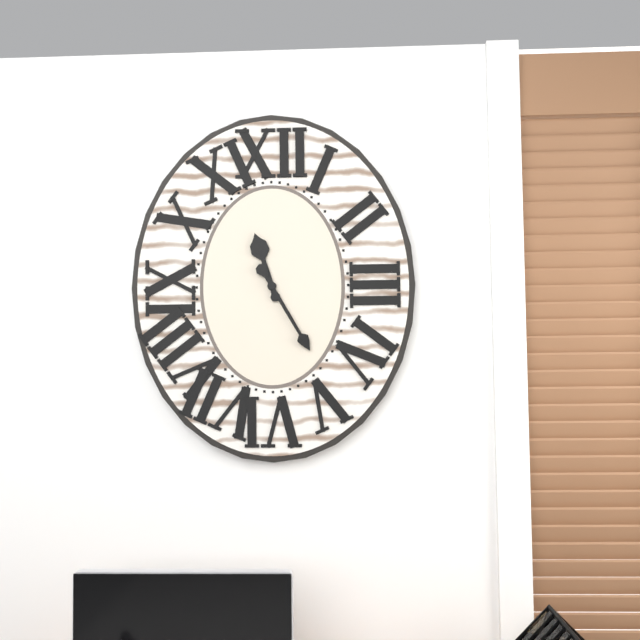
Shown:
h=11 m=25
